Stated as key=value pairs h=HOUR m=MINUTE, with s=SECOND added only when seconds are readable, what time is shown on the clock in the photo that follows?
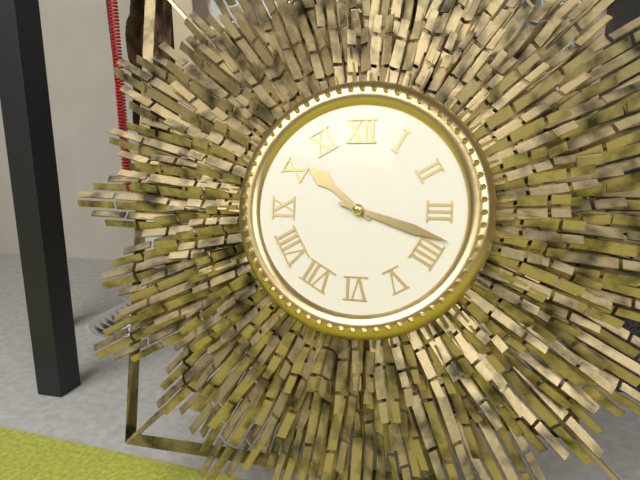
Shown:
h=10 m=18
